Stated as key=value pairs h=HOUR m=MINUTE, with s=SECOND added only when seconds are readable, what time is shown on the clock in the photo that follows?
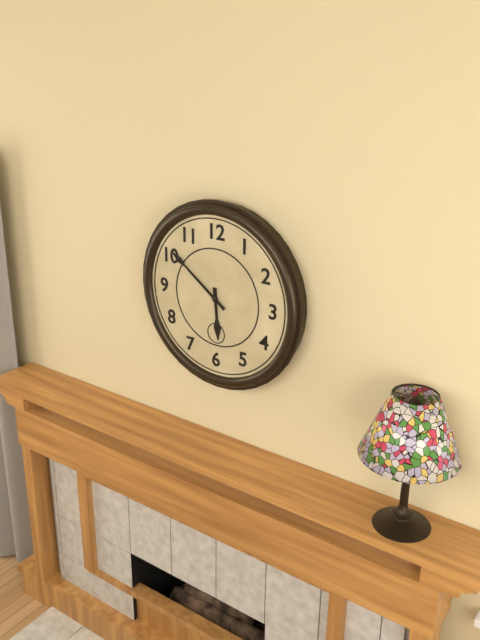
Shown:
h=5 m=51
